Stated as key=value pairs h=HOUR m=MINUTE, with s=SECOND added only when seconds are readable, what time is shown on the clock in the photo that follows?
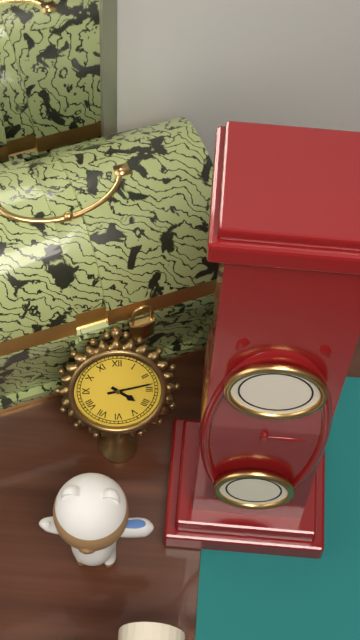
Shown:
h=4 m=13
